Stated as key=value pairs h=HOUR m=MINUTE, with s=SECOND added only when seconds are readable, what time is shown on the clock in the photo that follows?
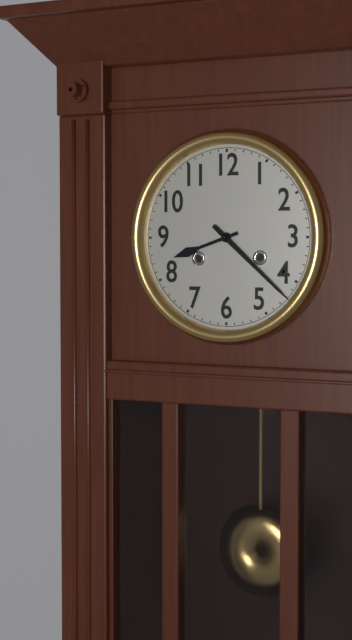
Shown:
h=8 m=22
